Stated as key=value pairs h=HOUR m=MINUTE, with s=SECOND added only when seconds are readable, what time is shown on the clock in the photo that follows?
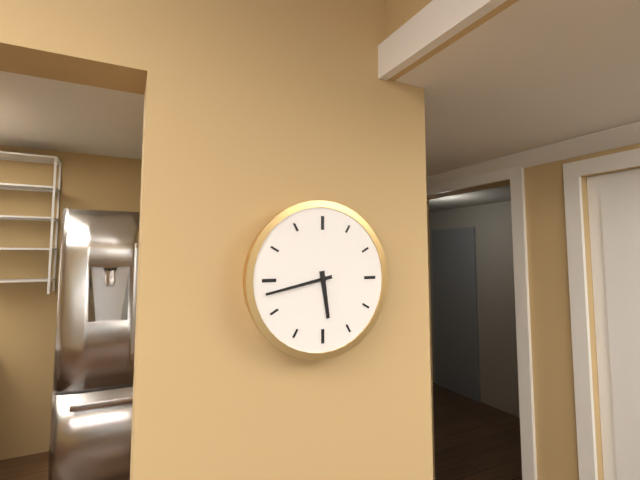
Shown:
h=5 m=43
